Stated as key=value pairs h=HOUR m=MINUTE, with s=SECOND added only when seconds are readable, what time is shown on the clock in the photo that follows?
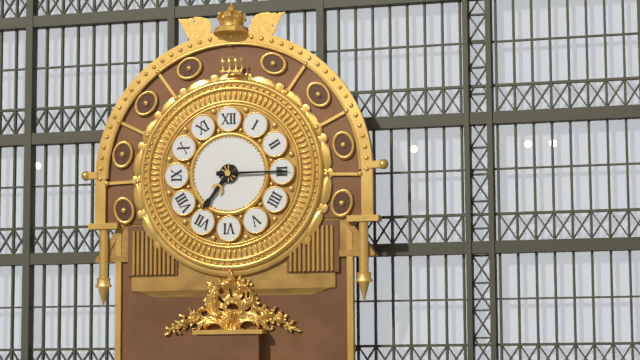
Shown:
h=7 m=15
